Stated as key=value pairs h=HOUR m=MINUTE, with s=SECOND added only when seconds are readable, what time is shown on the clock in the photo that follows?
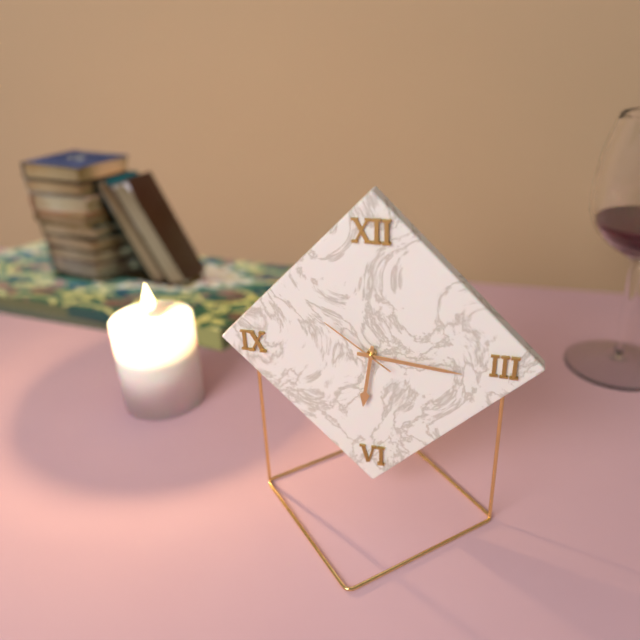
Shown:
h=6 m=16 s=51
